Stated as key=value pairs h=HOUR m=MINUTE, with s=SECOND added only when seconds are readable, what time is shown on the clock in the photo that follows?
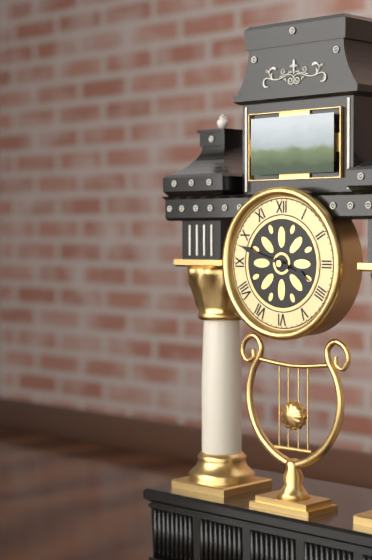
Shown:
h=3 m=48
